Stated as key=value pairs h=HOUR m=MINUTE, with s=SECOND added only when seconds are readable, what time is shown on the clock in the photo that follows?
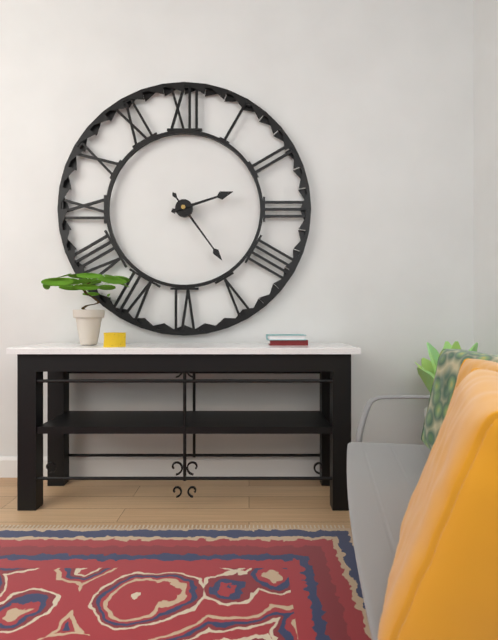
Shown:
h=2 m=24
